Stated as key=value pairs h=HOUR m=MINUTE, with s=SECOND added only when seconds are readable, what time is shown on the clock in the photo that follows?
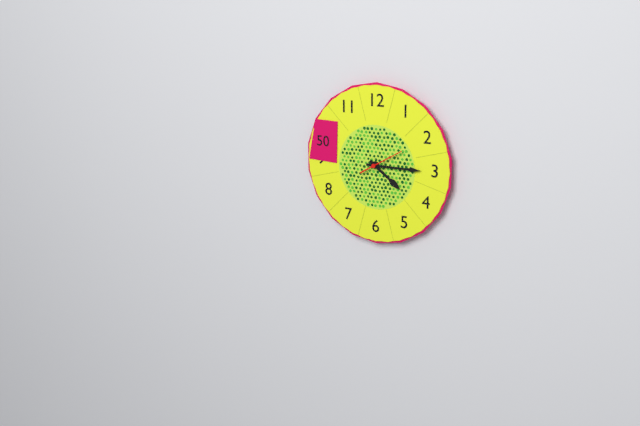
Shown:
h=4 m=15
